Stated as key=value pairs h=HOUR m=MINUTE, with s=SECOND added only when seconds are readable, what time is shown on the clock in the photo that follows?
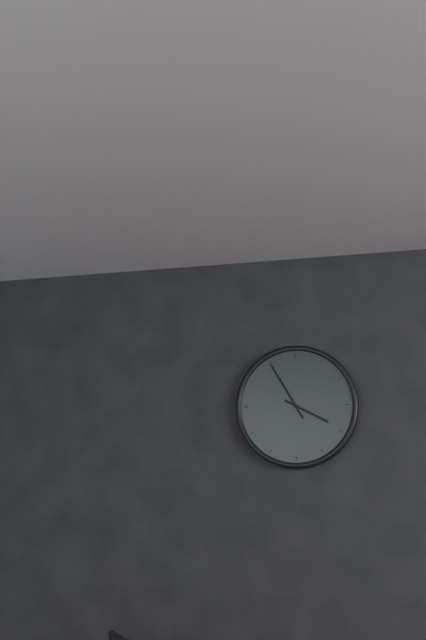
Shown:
h=3 m=55
